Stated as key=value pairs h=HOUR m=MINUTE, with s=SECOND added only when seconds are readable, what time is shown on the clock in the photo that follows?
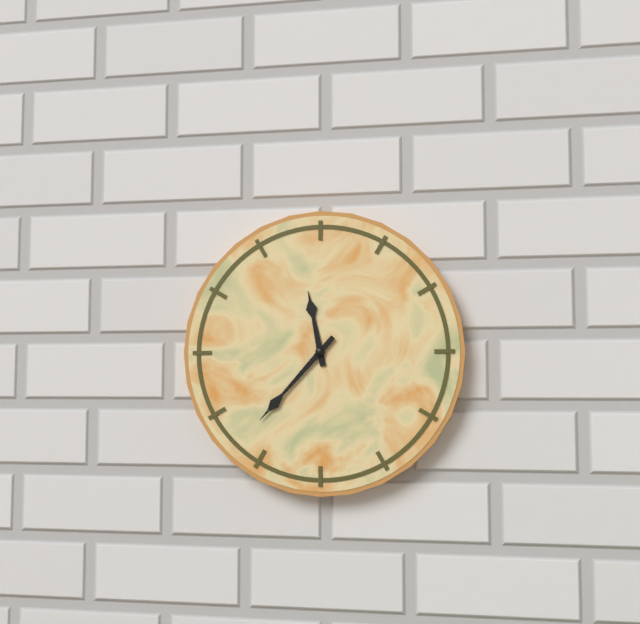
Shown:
h=11 m=37
